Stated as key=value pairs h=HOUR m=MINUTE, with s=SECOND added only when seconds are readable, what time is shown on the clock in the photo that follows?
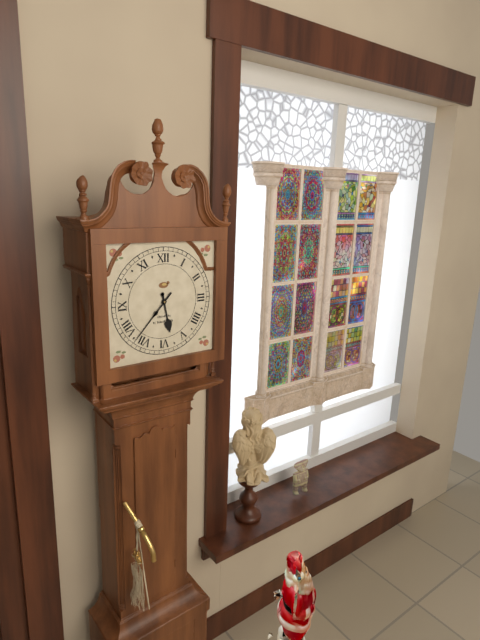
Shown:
h=5 m=37
